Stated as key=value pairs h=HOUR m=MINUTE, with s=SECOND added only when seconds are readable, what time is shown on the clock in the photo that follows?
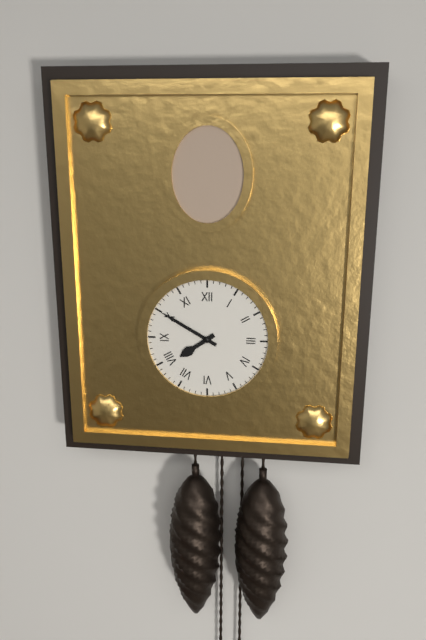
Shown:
h=7 m=50
